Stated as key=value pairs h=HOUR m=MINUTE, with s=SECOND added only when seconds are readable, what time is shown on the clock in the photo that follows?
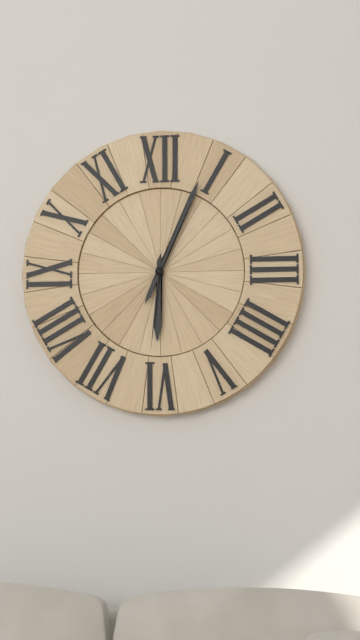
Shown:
h=6 m=4 s=31
